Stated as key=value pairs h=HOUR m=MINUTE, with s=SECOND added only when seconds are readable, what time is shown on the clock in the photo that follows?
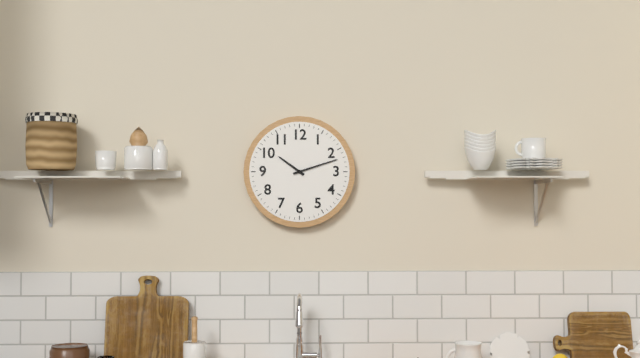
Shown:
h=10 m=12
